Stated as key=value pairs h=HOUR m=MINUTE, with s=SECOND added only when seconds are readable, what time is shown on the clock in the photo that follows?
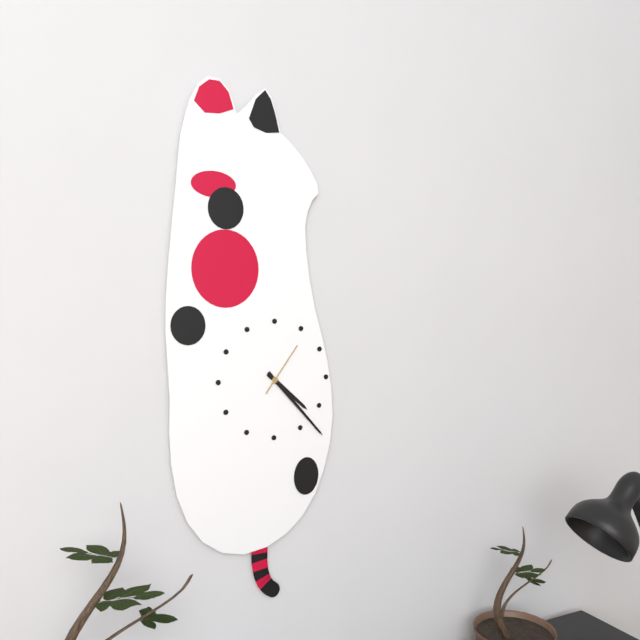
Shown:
h=4 m=23 s=6
